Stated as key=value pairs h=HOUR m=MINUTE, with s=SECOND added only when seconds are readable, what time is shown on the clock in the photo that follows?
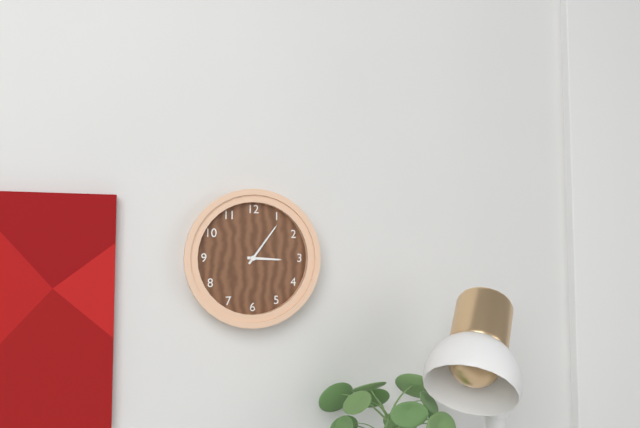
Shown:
h=3 m=6
